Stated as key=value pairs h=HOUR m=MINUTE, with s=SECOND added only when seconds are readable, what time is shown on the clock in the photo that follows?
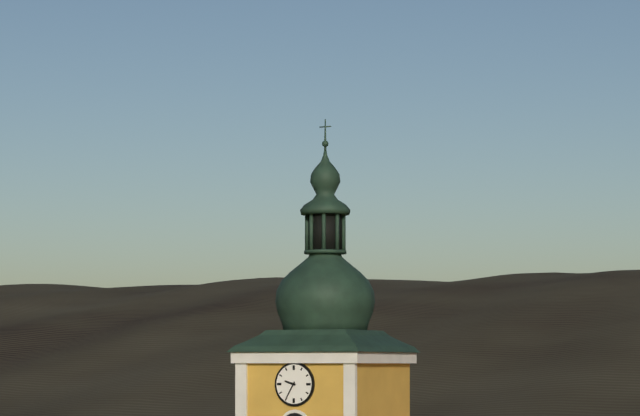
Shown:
h=9 m=35
